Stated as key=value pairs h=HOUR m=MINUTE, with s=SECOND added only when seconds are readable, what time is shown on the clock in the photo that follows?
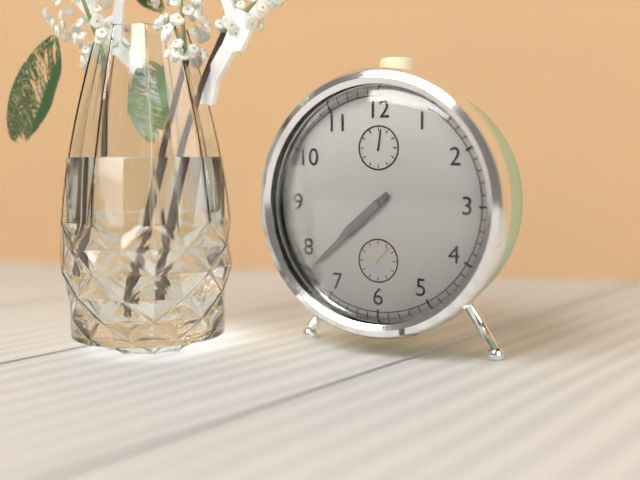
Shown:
h=7 m=38
